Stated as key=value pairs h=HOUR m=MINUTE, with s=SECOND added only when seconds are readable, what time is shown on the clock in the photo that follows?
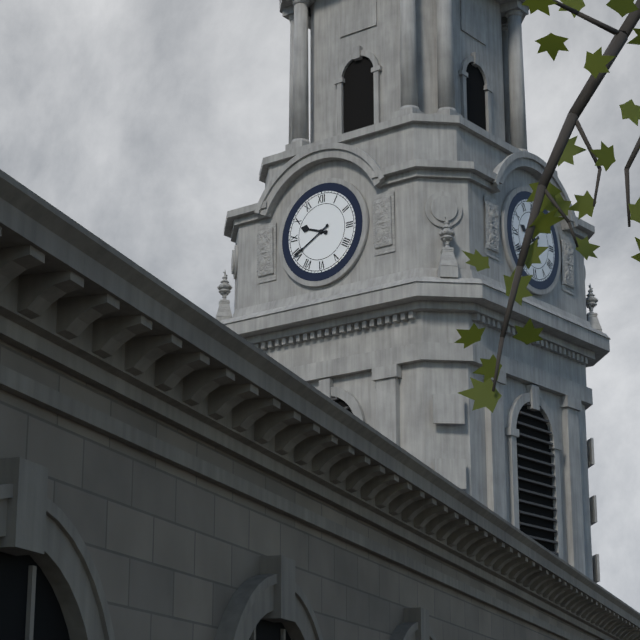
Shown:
h=9 m=40
